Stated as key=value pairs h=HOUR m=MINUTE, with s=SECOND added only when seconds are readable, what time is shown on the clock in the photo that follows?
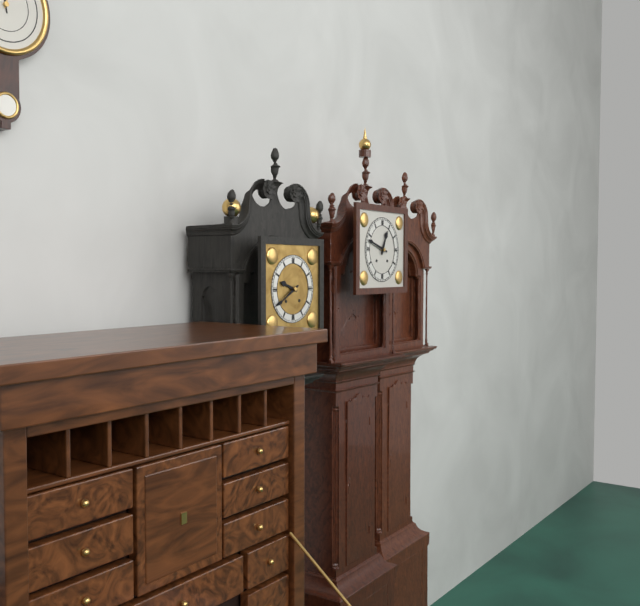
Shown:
h=12 m=48
